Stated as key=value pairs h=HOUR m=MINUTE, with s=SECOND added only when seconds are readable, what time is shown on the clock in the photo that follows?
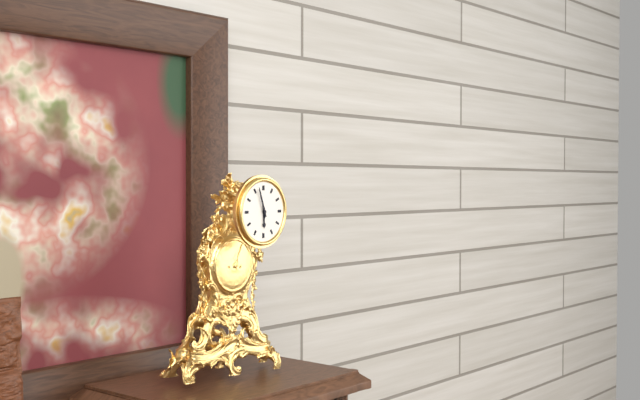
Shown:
h=5 m=57
